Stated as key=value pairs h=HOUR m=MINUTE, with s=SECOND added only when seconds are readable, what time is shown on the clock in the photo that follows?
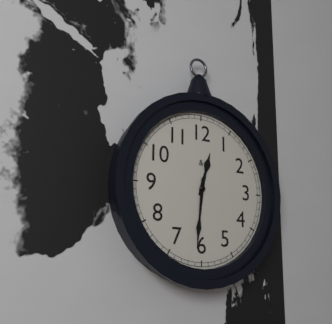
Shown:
h=12 m=31
